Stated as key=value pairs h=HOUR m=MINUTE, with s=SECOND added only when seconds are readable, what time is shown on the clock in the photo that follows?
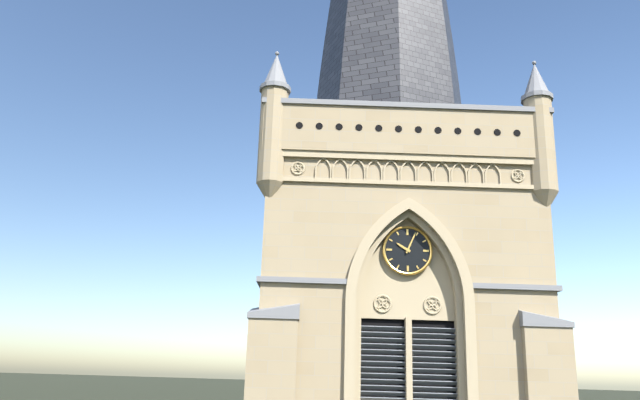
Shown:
h=10 m=4
